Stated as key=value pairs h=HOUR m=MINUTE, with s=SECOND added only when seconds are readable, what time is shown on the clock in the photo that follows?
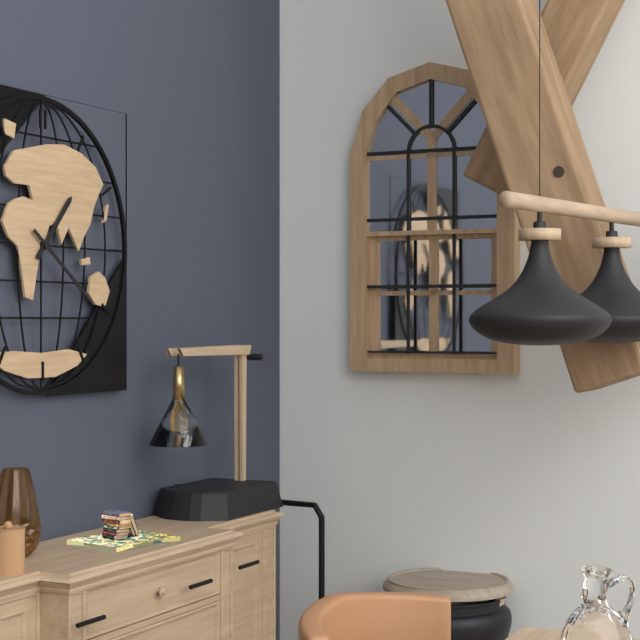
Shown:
h=1 m=21
